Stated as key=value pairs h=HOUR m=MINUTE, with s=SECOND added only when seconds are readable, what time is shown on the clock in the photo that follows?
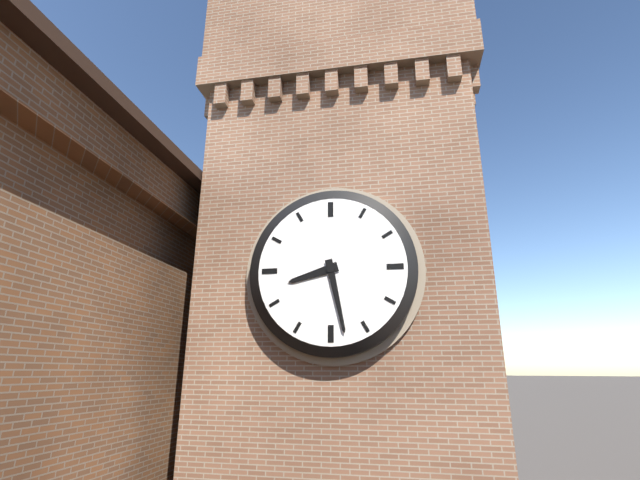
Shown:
h=8 m=28
